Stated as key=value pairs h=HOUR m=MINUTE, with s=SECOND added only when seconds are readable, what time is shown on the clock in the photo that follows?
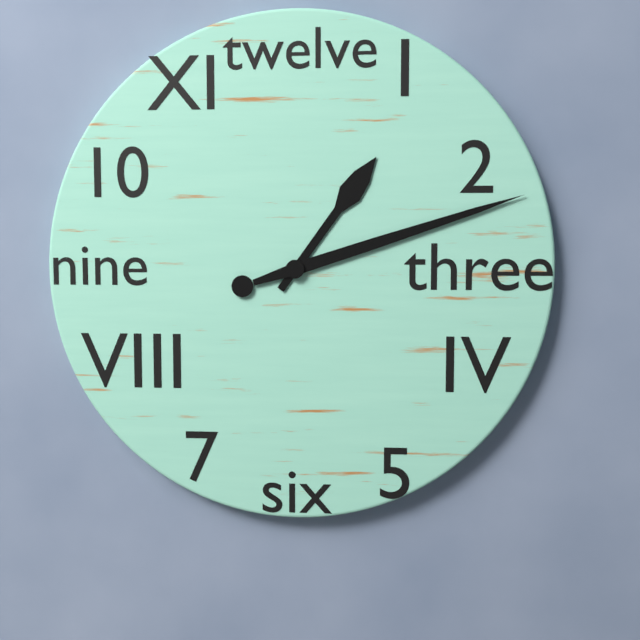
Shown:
h=1 m=12
